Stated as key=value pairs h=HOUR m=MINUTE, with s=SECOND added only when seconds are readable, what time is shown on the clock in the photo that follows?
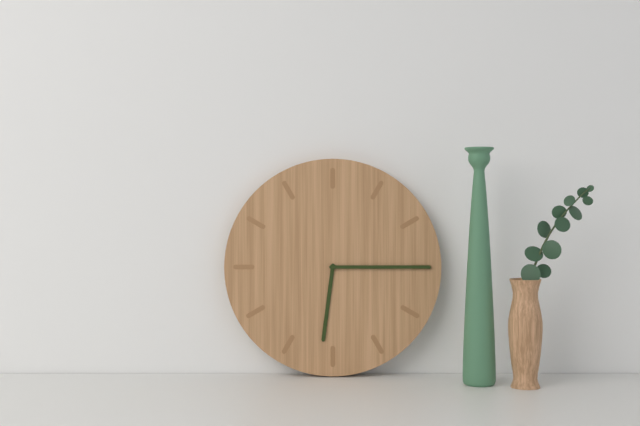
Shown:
h=6 m=15
